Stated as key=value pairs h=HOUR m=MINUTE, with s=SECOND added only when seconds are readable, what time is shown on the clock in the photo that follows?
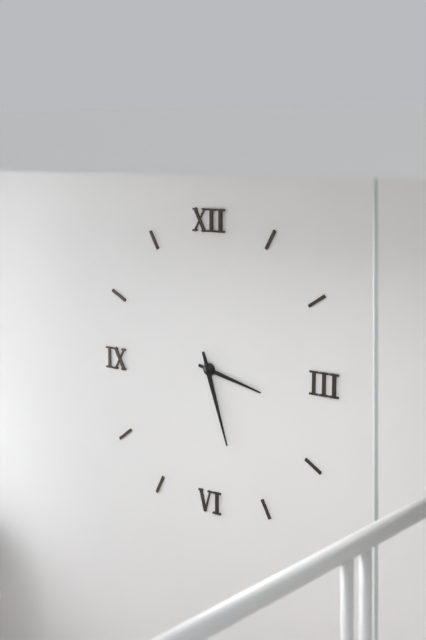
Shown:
h=3 m=27
